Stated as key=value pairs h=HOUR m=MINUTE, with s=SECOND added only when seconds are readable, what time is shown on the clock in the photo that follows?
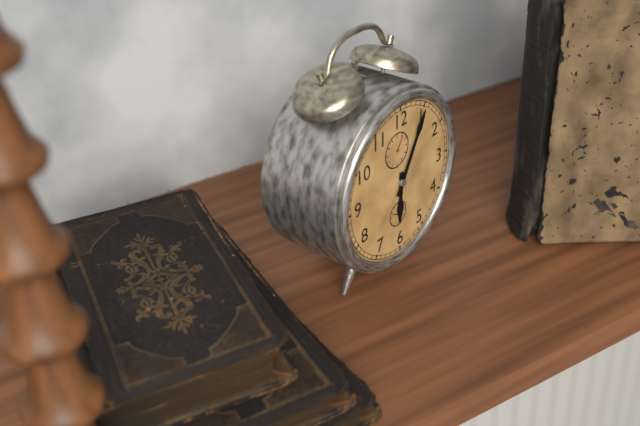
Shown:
h=6 m=5
